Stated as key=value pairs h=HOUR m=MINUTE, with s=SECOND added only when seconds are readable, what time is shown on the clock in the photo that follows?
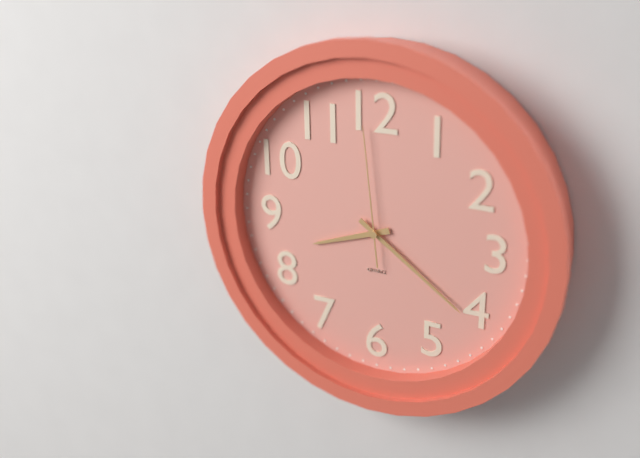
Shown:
h=8 m=21 s=59
